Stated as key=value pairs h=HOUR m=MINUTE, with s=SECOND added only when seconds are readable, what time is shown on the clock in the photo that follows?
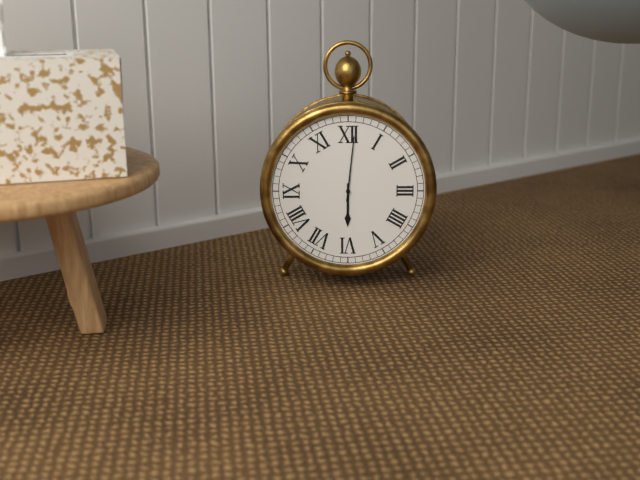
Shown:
h=6 m=1
